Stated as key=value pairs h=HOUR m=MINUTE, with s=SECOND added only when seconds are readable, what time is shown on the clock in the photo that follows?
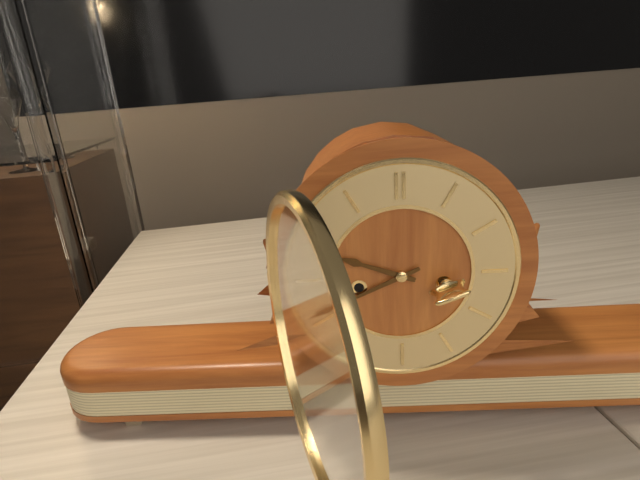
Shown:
h=9 m=41
